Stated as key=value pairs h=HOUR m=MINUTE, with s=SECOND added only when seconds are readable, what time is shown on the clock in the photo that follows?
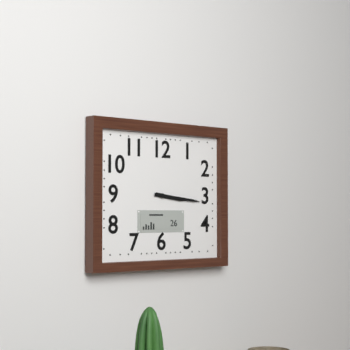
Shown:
h=3 m=16
